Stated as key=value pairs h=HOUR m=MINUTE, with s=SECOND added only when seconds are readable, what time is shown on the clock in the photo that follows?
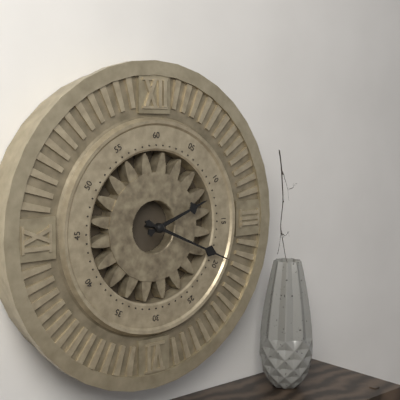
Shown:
h=2 m=19
